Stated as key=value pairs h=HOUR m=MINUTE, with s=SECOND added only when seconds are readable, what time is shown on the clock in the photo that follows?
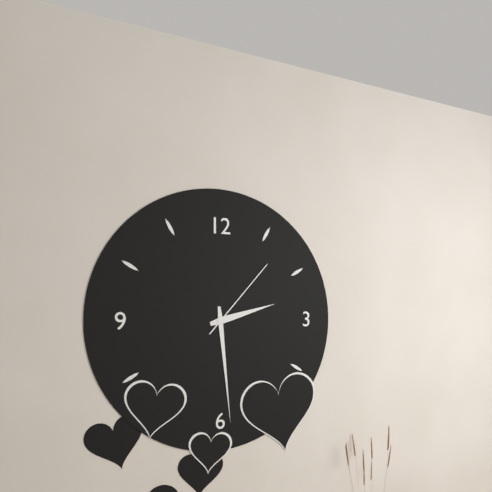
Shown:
h=2 m=29 s=7
